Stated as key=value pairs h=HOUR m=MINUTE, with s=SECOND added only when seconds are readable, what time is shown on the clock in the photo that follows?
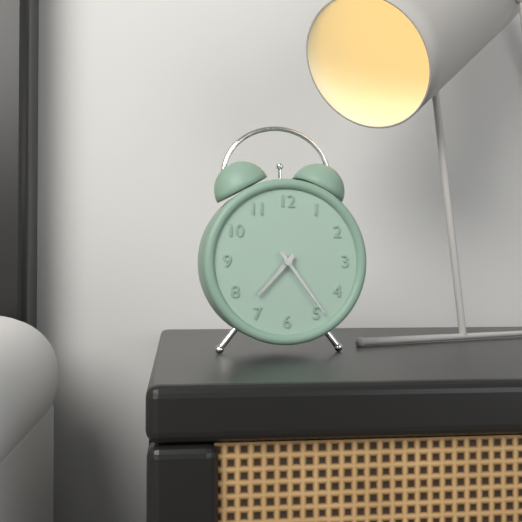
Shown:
h=7 m=24
